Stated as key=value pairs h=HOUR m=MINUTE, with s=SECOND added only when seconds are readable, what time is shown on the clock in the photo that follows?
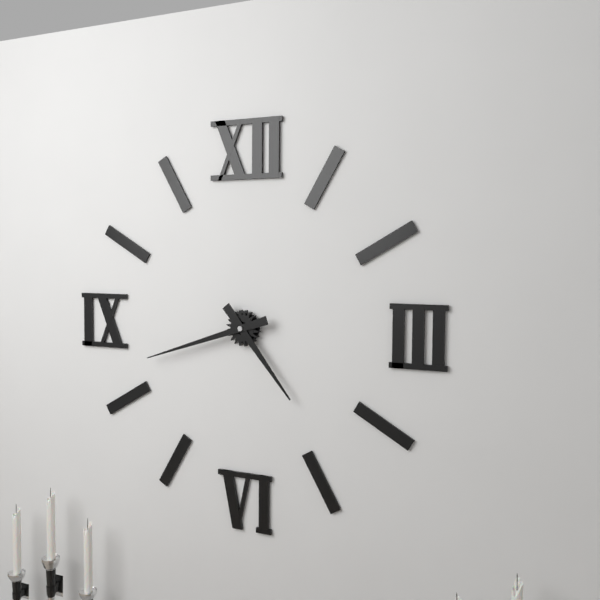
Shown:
h=4 m=42
